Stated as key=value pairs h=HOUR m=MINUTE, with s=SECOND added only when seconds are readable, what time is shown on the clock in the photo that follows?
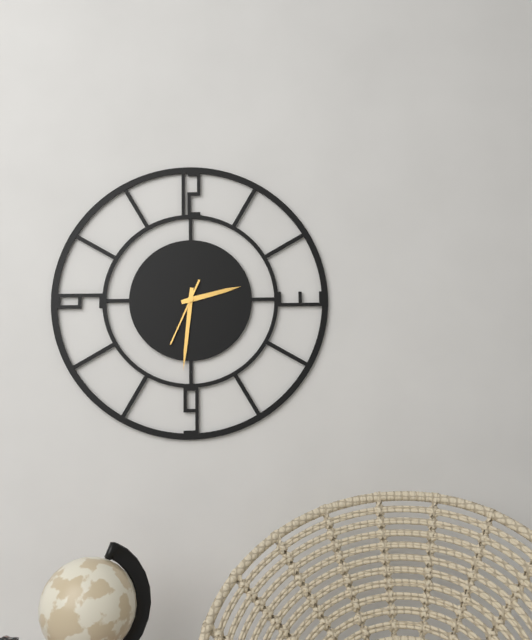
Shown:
h=2 m=31 s=34
